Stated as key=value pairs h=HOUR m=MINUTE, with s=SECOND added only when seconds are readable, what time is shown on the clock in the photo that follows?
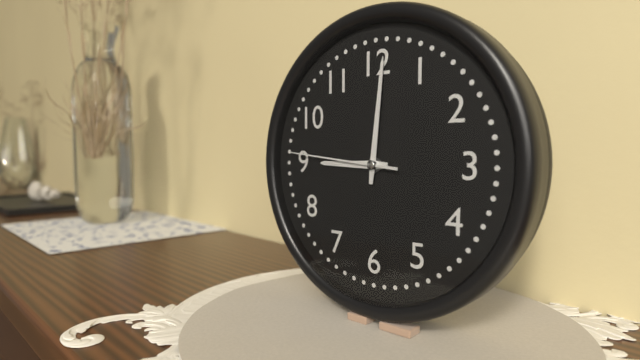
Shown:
h=9 m=1 s=46
